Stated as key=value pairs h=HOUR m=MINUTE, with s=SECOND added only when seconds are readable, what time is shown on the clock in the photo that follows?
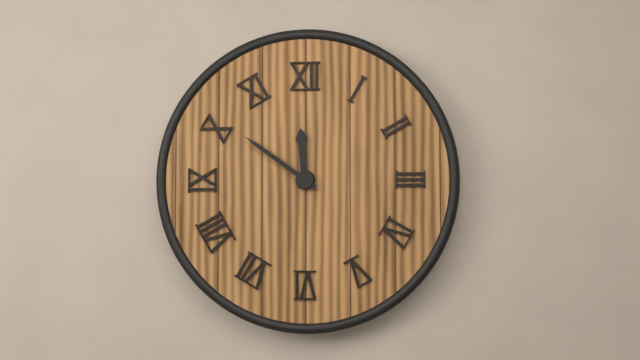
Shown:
h=11 m=51
